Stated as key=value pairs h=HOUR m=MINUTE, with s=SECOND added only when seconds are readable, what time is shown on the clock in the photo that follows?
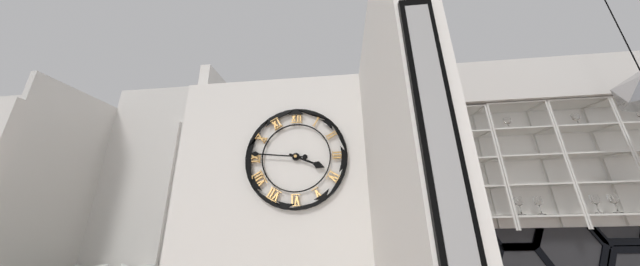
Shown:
h=3 m=46
